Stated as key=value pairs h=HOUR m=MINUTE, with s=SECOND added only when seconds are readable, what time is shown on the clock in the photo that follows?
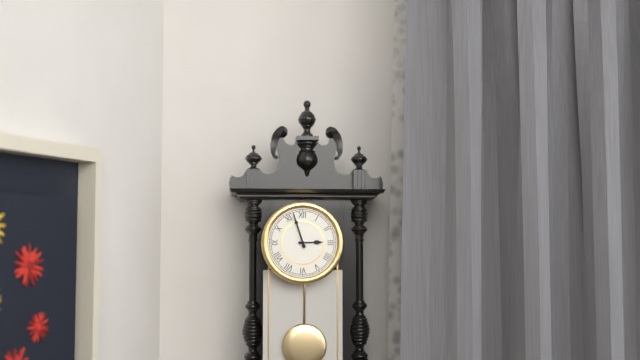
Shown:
h=2 m=57
